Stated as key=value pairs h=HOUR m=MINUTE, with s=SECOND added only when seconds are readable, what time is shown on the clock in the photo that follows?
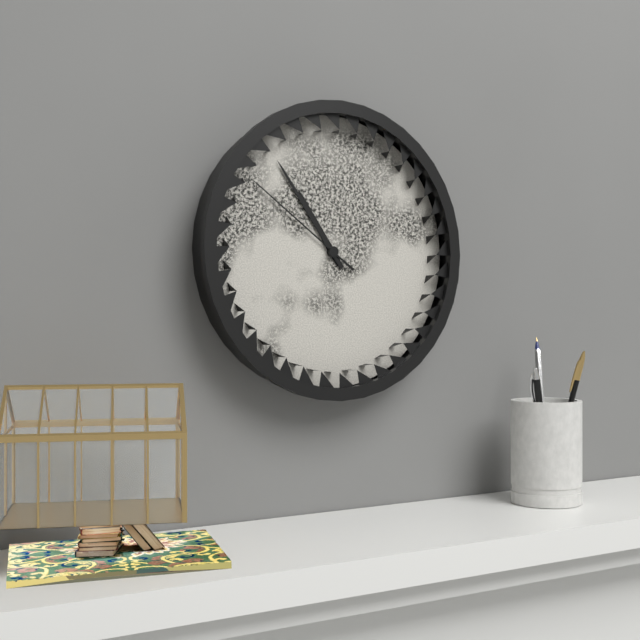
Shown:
h=10 m=54 s=51
